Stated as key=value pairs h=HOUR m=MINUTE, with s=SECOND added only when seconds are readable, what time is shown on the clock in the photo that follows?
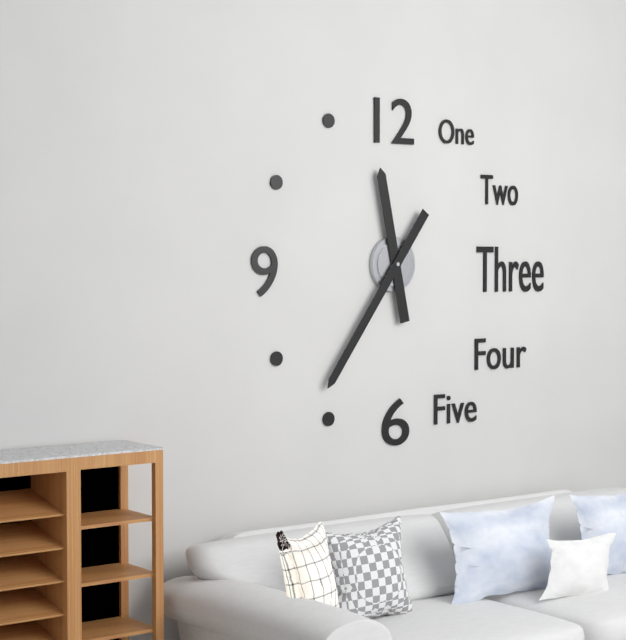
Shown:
h=11 m=36
